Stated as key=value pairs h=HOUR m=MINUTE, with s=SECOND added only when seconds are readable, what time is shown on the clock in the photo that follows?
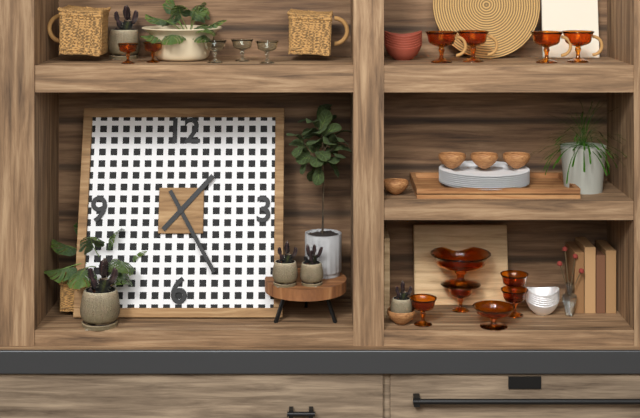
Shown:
h=1 m=25
